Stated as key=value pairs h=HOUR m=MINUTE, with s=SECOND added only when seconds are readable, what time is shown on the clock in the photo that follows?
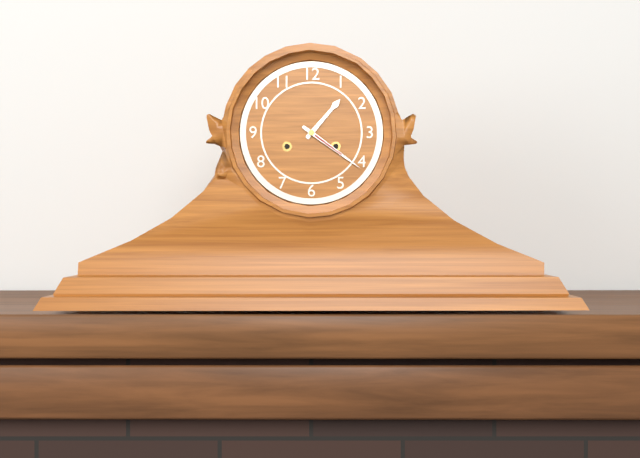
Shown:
h=1 m=21
